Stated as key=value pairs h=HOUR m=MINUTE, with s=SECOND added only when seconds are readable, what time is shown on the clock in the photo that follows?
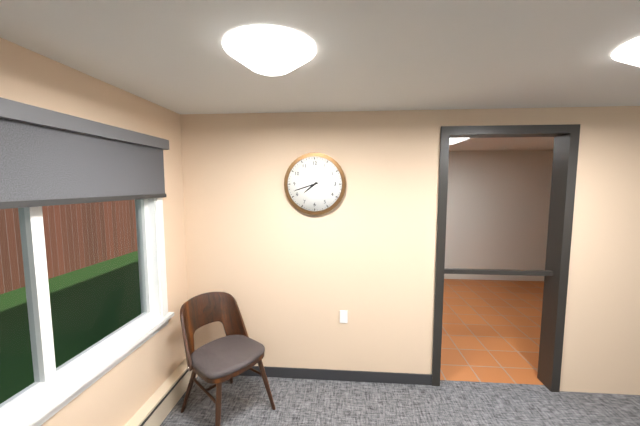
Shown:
h=7 m=42
